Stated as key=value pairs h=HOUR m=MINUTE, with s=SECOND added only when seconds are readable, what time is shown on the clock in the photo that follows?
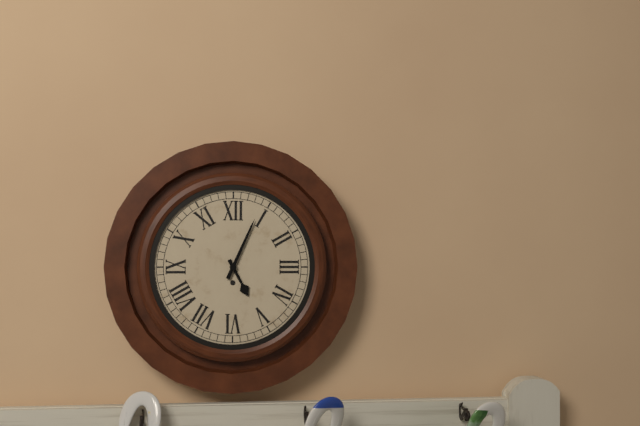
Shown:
h=5 m=4
